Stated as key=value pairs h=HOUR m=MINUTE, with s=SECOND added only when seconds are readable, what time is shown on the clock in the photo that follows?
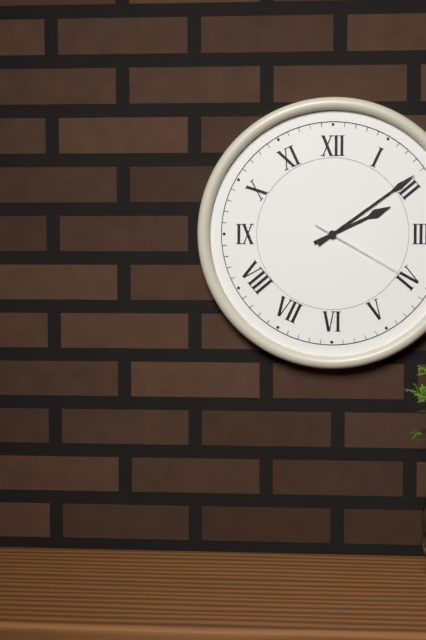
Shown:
h=2 m=9 s=20
